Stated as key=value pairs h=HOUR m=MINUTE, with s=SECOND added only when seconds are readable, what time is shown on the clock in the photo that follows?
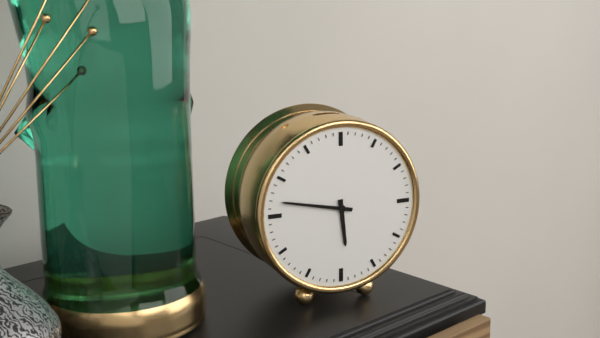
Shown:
h=5 m=47
